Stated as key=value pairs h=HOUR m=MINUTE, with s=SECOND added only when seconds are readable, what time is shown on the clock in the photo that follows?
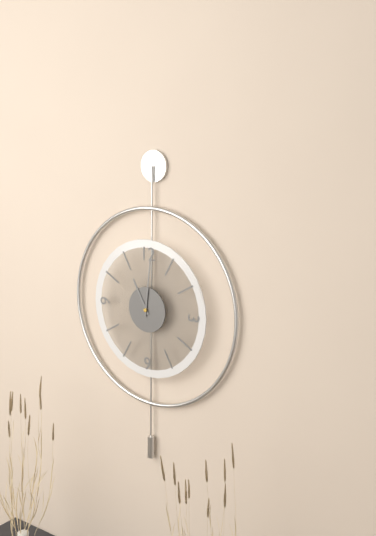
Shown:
h=11 m=1
